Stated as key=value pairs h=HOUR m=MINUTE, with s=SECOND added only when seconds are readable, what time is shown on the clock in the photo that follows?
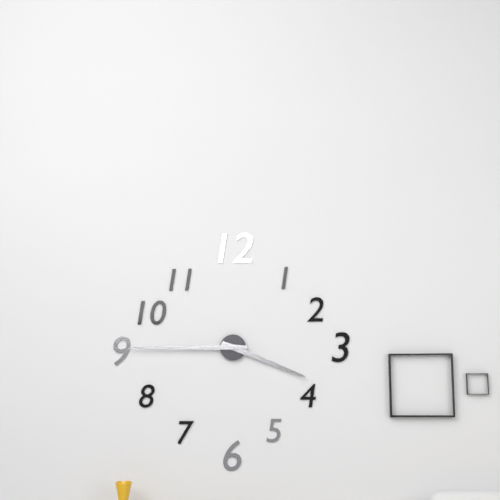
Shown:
h=3 m=45
